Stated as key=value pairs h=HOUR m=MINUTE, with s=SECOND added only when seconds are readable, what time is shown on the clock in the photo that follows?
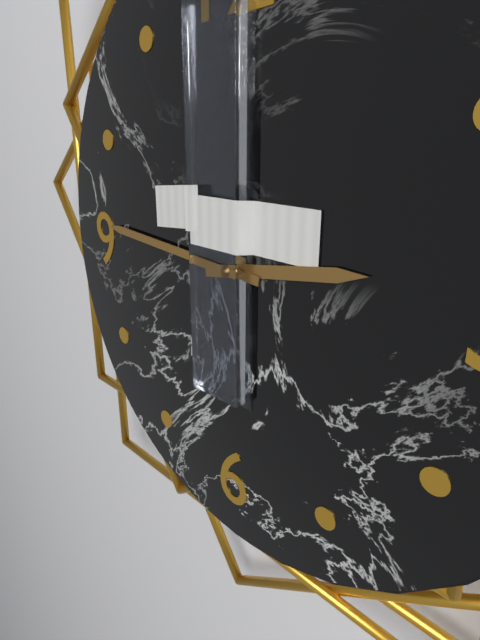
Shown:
h=2 m=46
